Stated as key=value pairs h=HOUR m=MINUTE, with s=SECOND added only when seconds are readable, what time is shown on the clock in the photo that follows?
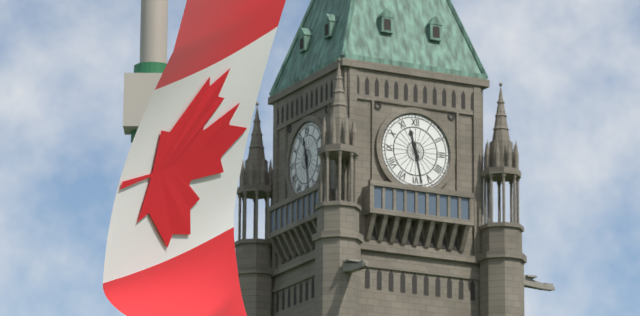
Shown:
h=11 m=28
